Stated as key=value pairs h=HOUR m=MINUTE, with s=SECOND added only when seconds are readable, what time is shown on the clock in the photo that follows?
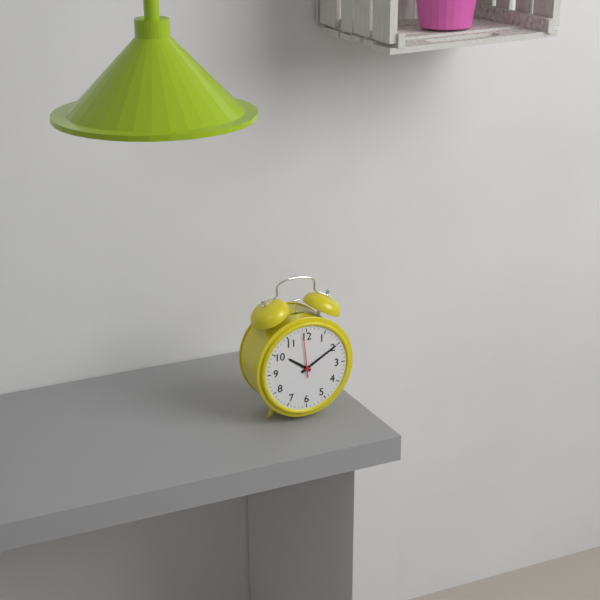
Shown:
h=10 m=10
